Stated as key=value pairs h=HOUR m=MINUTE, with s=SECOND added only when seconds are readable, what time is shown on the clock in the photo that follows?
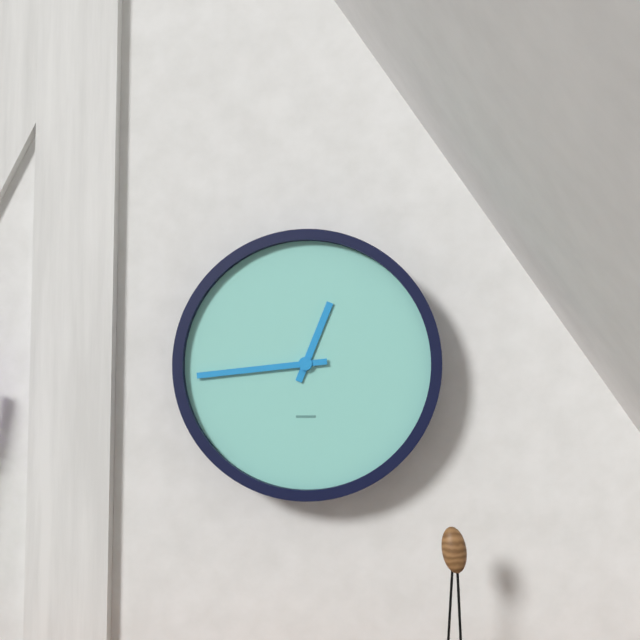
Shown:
h=12 m=44
